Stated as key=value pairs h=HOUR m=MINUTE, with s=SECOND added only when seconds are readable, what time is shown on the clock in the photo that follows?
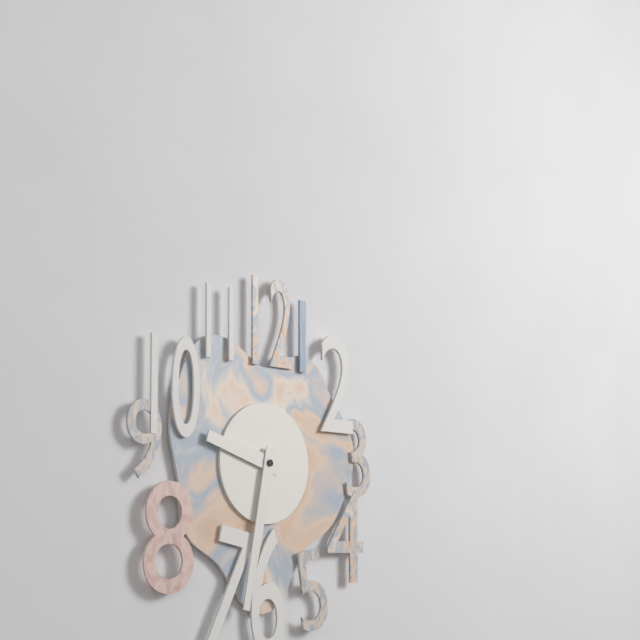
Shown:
h=9 m=32
